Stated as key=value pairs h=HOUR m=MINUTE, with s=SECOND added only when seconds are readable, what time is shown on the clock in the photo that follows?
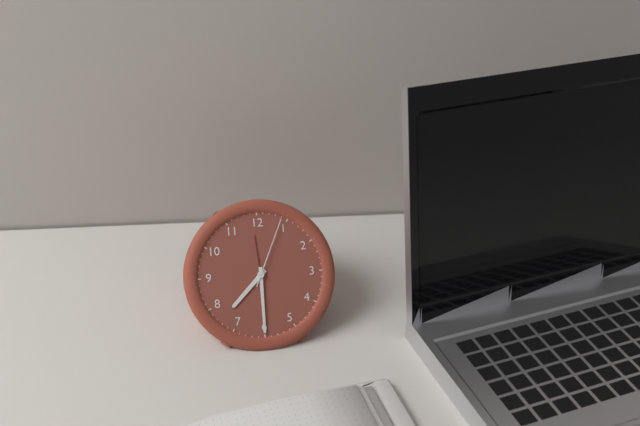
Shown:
h=7 m=30 s=4
